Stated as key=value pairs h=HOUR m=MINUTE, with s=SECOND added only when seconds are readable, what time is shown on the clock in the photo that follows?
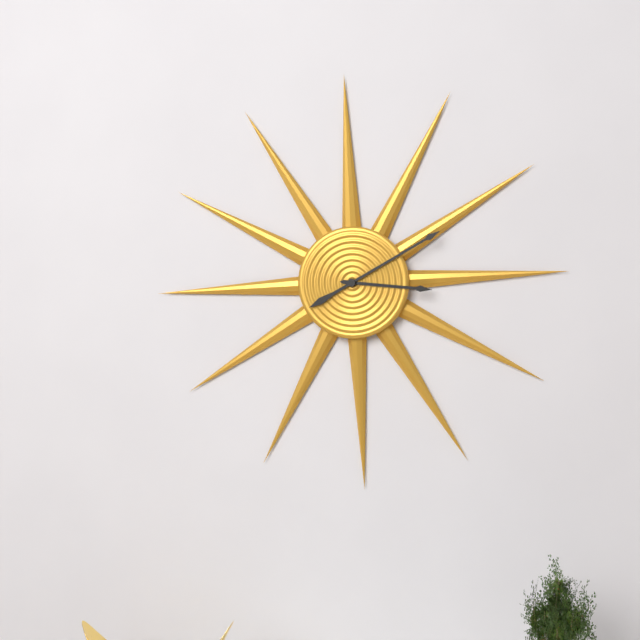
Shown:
h=3 m=10
